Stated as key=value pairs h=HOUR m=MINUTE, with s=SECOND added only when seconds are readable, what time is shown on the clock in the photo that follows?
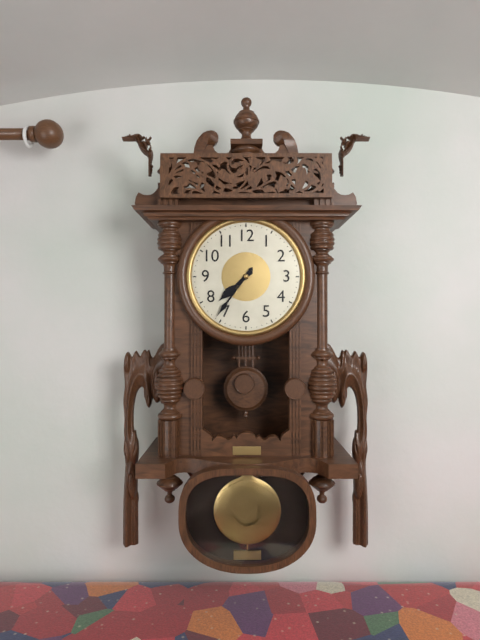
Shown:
h=7 m=36
